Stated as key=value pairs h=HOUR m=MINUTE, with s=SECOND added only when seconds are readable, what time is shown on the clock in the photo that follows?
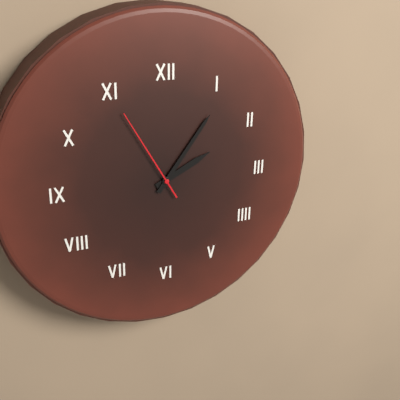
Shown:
h=2 m=6 s=55
